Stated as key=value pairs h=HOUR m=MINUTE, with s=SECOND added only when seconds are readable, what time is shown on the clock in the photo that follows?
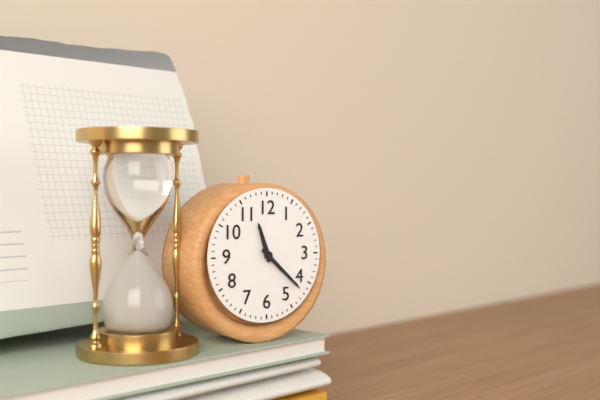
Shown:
h=11 m=22
